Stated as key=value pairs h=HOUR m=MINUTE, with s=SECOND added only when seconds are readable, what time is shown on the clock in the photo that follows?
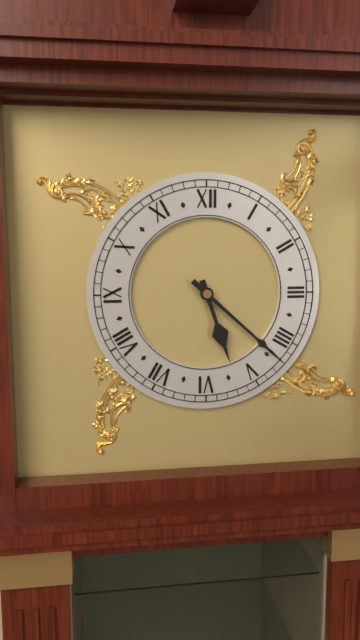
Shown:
h=5 m=22
